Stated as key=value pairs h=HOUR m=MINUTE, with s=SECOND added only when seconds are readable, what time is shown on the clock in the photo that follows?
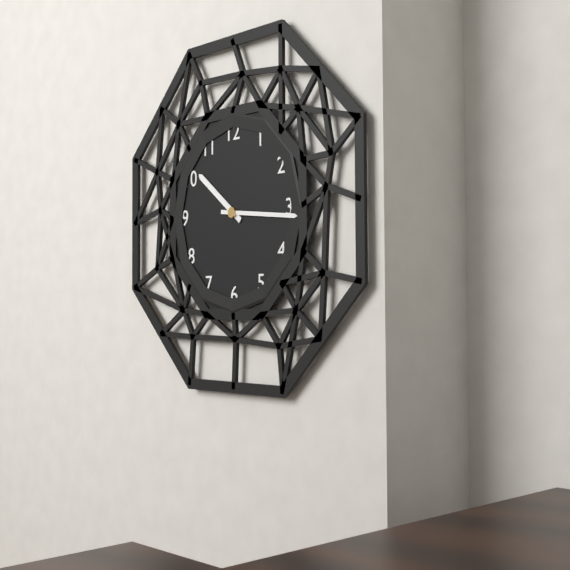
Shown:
h=10 m=16
